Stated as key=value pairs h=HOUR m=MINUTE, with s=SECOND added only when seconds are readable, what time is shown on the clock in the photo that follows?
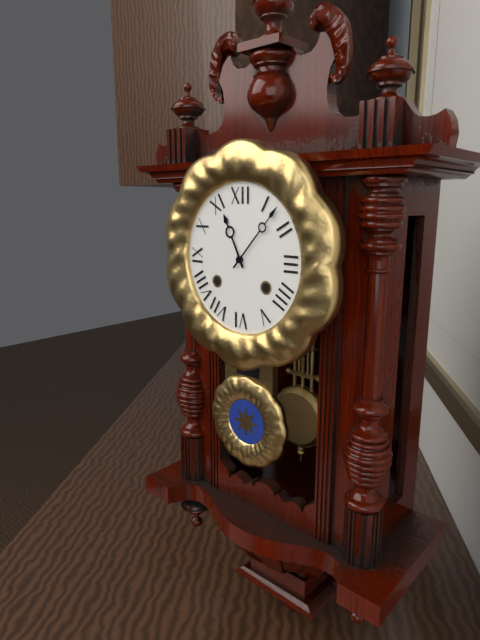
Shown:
h=11 m=7
